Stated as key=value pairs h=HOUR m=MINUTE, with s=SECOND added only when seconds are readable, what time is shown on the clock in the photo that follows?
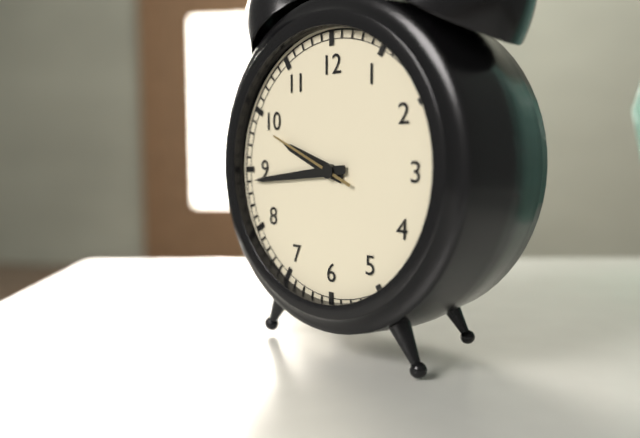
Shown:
h=9 m=44 s=49
